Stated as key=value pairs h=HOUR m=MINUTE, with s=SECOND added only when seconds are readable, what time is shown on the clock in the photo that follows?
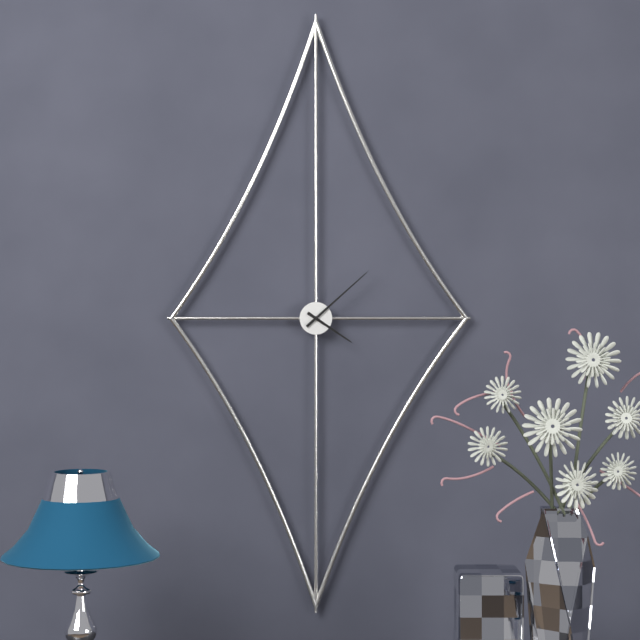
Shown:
h=4 m=8
